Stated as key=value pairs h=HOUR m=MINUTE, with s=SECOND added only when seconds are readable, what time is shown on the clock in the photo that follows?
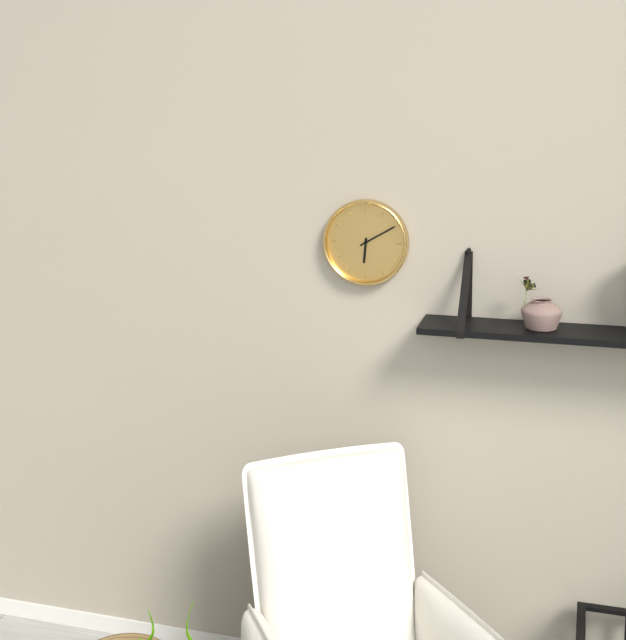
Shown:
h=6 m=10
